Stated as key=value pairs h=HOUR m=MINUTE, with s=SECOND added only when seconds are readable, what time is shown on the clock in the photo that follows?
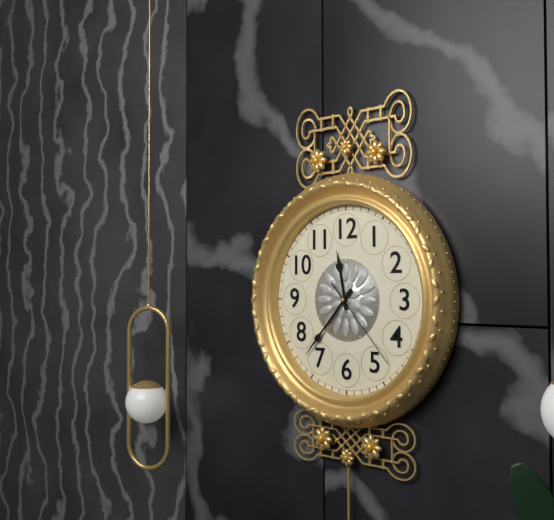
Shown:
h=11 m=37 s=23
